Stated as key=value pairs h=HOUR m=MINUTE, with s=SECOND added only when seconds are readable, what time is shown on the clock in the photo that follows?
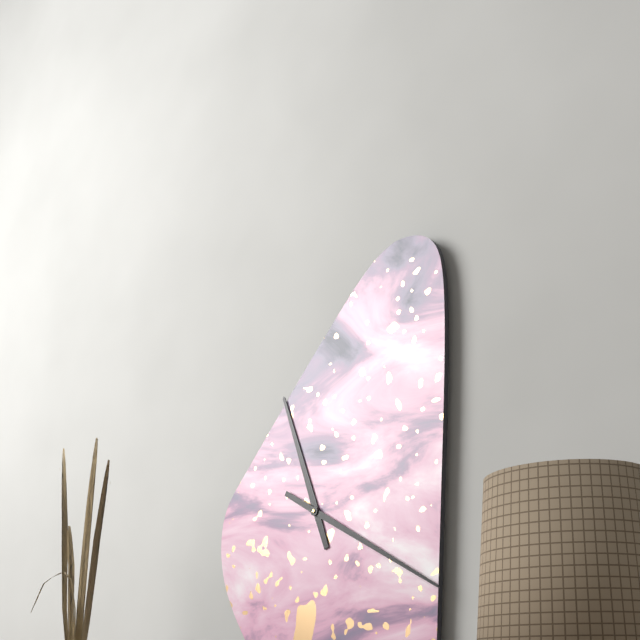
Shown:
h=11 m=20
